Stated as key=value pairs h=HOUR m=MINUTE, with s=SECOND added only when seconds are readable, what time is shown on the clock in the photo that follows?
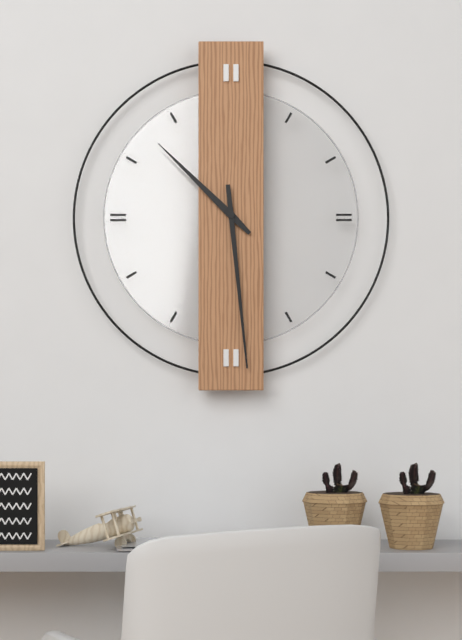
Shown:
h=10 m=29
